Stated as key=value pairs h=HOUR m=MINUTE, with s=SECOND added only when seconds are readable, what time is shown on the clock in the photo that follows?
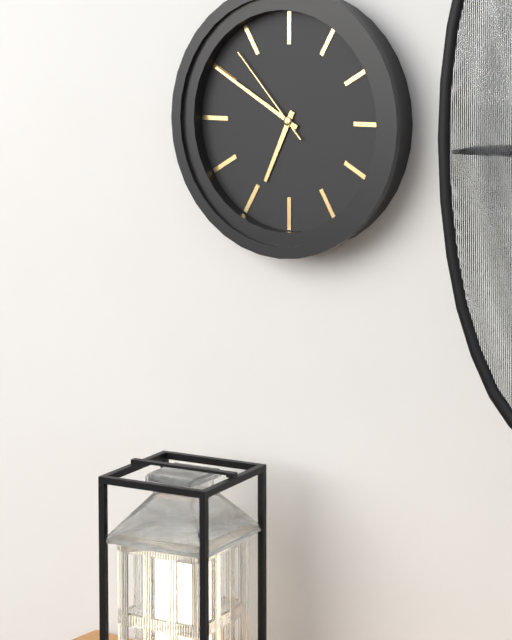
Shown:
h=6 m=50 s=53
